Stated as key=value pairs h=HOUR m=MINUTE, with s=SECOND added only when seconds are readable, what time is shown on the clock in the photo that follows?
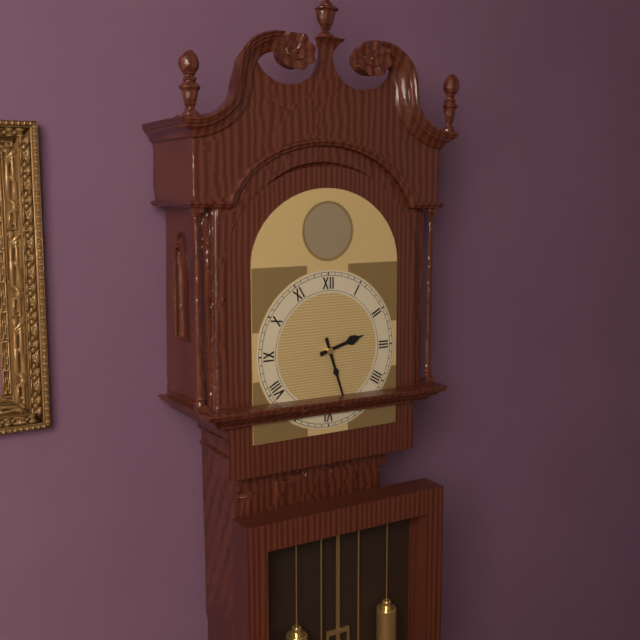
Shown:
h=2 m=27
